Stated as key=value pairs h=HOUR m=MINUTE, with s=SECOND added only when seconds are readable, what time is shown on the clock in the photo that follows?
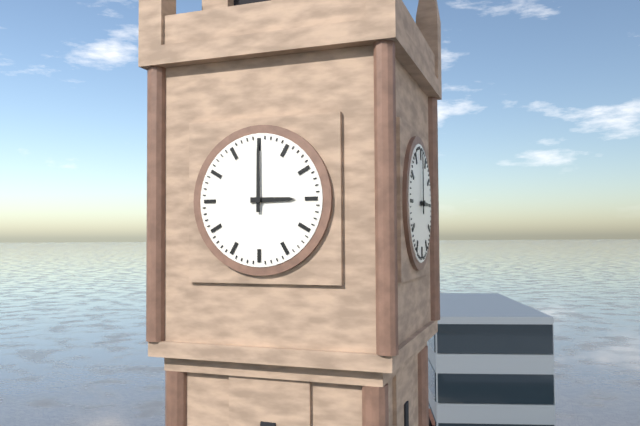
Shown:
h=3 m=0
